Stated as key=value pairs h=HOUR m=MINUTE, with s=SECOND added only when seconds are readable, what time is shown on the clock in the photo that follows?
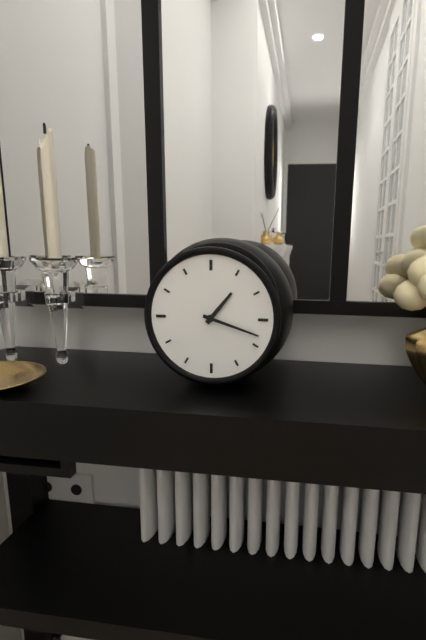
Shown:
h=1 m=18
